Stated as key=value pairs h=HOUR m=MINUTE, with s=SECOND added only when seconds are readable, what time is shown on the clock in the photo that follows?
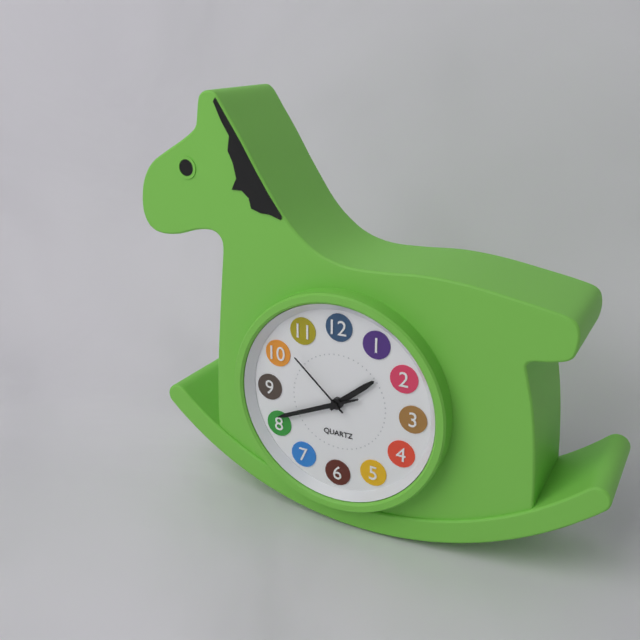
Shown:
h=1 m=41 s=52
